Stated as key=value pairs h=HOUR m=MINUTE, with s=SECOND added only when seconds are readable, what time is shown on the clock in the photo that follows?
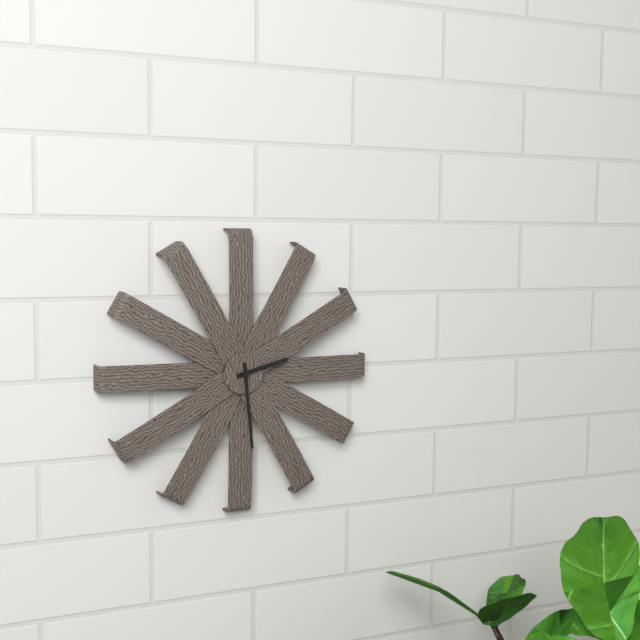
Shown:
h=2 m=29
